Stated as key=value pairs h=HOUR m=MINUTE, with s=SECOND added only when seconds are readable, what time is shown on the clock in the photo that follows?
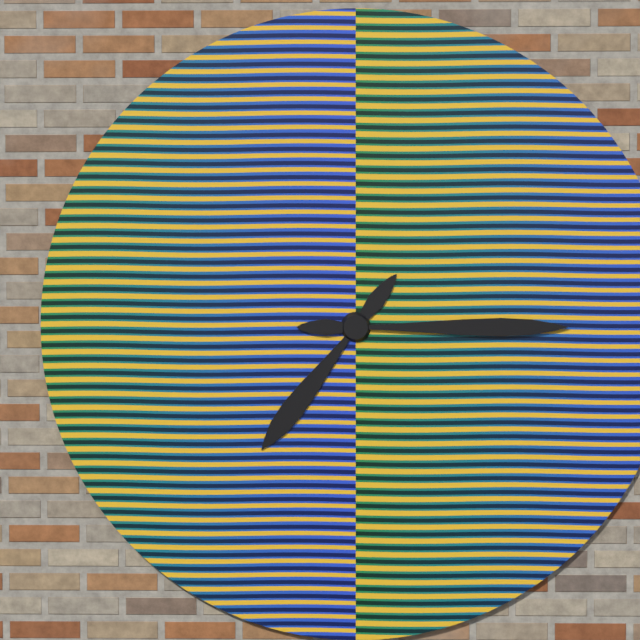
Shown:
h=7 m=15
